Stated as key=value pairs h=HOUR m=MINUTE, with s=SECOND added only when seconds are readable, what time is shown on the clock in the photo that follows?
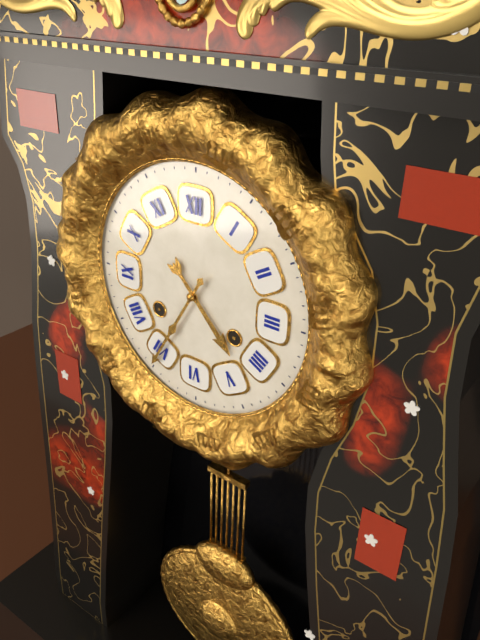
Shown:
h=4 m=35
